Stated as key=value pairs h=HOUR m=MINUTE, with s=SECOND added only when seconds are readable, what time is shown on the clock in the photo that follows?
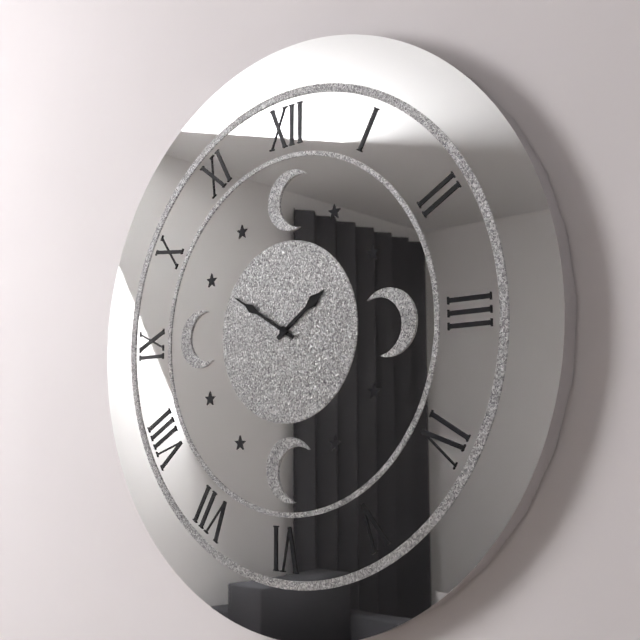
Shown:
h=1 m=50
